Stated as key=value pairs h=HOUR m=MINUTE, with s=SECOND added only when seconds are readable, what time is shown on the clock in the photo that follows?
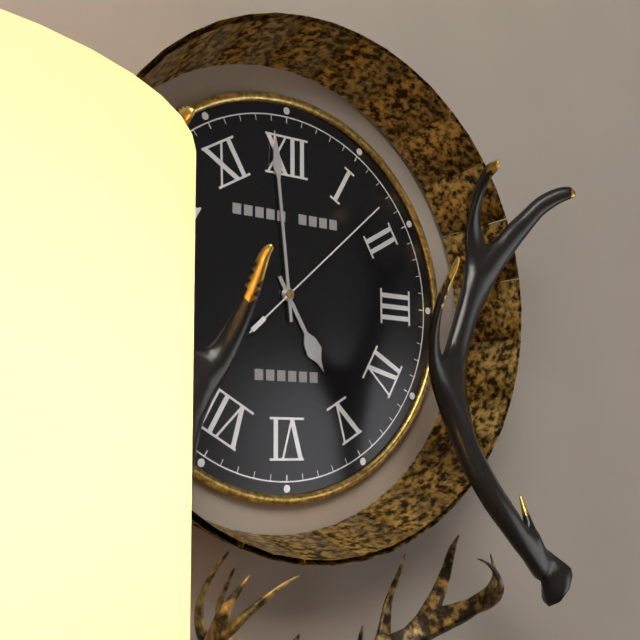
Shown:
h=4 m=59 s=8
